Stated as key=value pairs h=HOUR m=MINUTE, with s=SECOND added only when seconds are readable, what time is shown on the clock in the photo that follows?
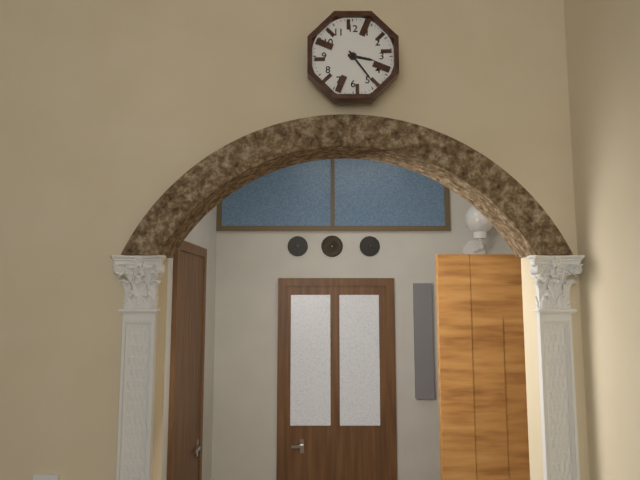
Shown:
h=3 m=24
